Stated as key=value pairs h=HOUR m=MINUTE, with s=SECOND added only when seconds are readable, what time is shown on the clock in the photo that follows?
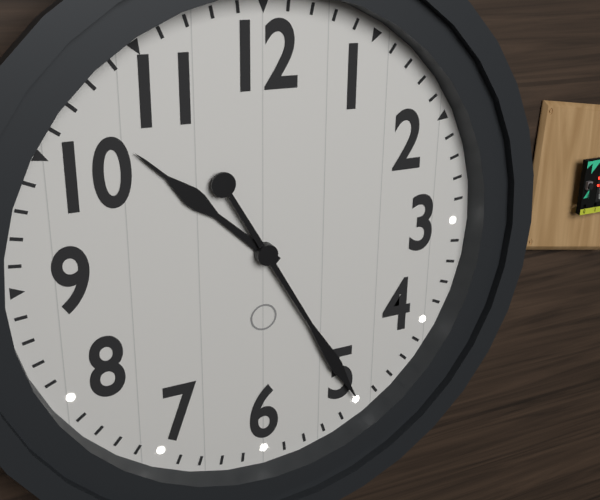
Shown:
h=10 m=25
